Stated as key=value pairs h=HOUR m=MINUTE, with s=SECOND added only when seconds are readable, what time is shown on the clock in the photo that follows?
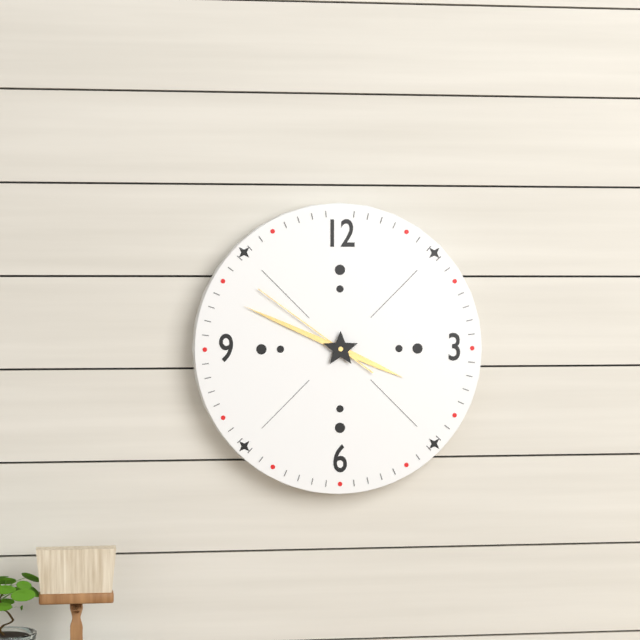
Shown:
h=3 m=49 s=51
